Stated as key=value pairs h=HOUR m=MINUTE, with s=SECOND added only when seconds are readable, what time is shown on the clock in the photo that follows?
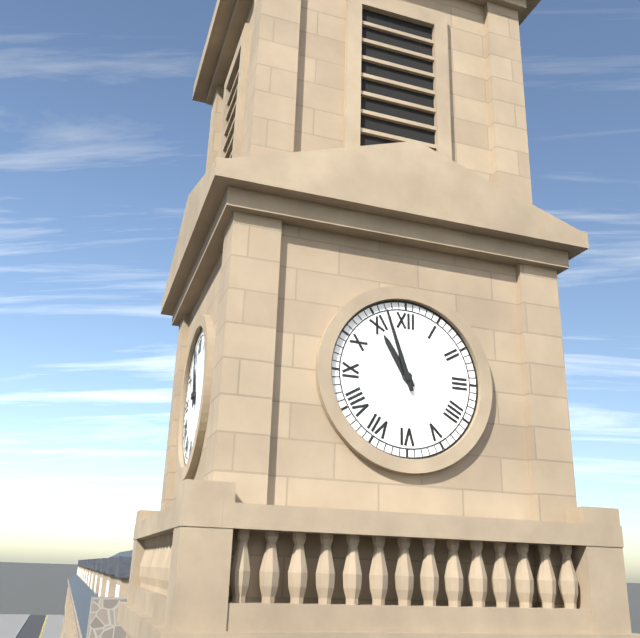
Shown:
h=10 m=57
